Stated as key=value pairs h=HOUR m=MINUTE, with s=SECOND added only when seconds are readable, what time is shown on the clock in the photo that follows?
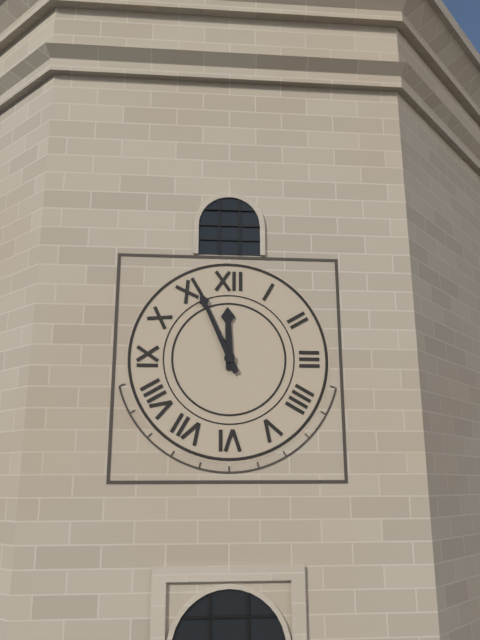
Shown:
h=11 m=56
